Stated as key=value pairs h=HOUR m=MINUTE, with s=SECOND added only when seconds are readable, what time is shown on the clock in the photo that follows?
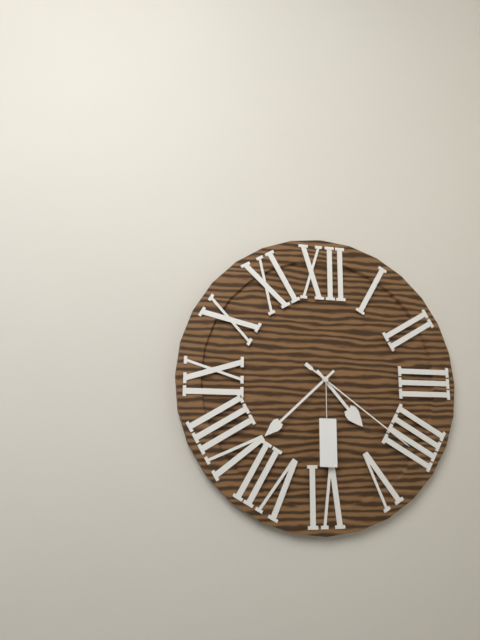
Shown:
h=4 m=38 s=21
